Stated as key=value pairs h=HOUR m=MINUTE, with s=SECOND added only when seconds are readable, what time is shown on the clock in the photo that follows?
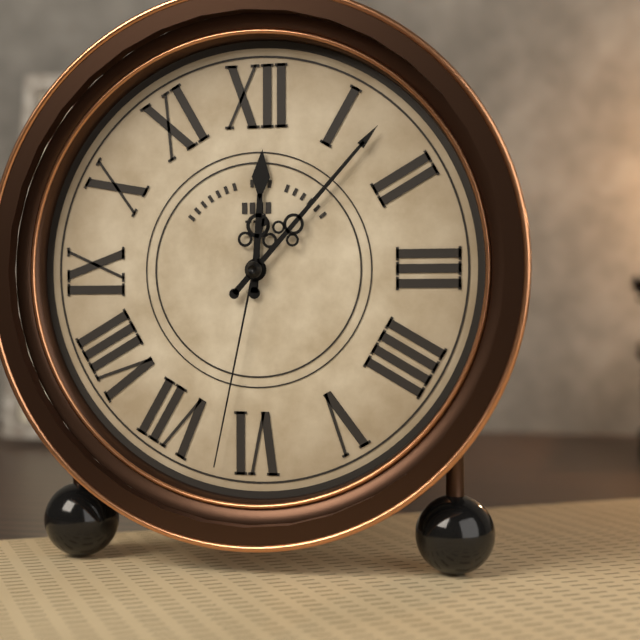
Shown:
h=12 m=7 s=32
